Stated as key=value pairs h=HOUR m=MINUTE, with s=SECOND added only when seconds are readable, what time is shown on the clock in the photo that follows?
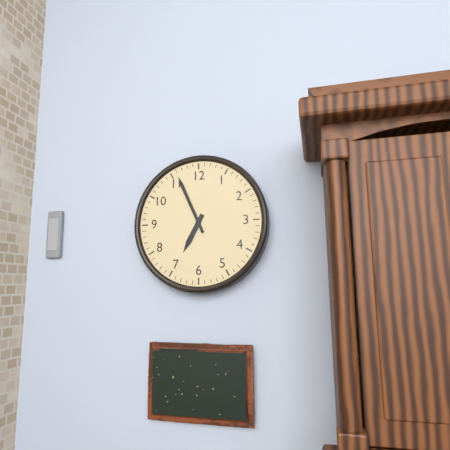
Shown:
h=6 m=56
